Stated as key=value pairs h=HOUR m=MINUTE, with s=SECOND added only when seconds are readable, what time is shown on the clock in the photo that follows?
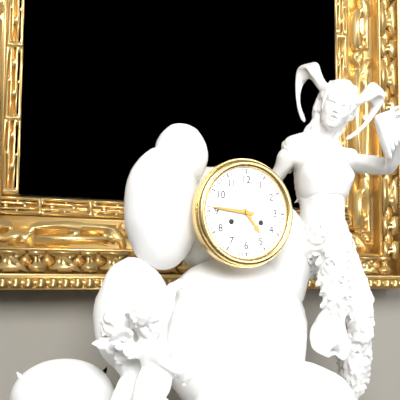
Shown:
h=4 m=46
